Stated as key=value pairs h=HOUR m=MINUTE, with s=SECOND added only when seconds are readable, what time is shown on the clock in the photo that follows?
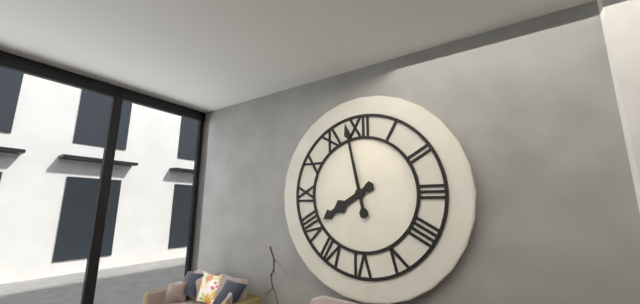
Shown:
h=7 m=58
